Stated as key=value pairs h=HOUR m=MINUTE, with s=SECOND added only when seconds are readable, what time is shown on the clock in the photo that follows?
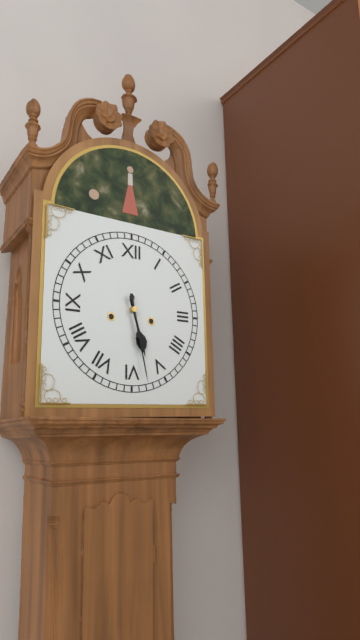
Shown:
h=5 m=28
